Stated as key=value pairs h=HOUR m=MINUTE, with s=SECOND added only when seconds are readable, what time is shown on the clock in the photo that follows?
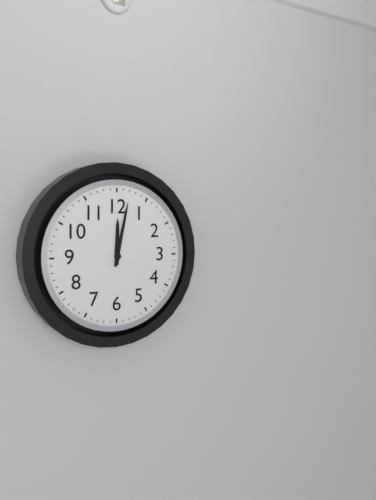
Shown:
h=12 m=2
